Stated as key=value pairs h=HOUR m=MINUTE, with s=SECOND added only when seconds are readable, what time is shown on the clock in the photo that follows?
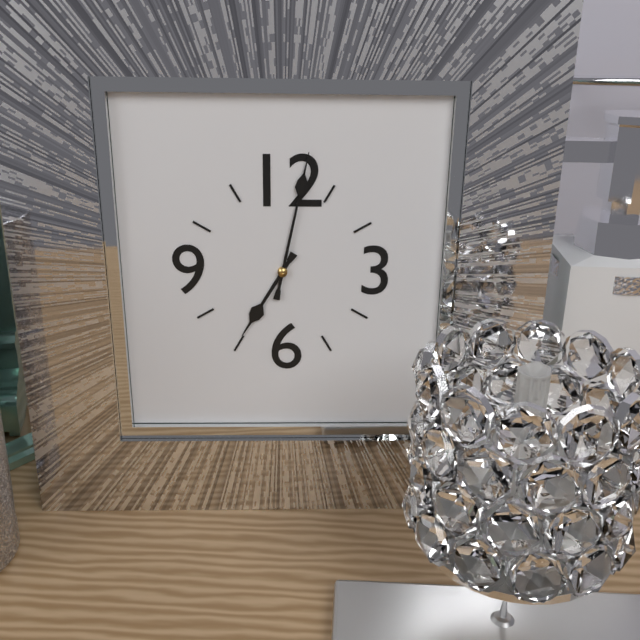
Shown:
h=7 m=2
